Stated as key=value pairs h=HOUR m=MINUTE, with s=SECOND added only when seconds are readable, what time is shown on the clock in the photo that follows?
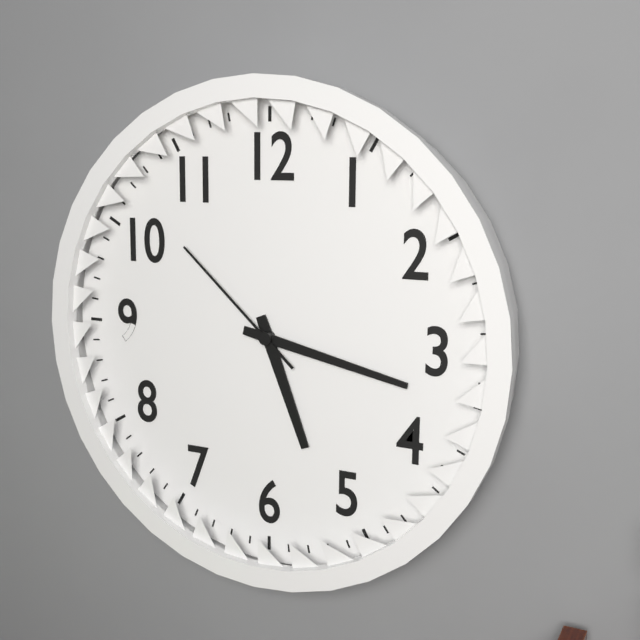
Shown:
h=5 m=17 s=52
